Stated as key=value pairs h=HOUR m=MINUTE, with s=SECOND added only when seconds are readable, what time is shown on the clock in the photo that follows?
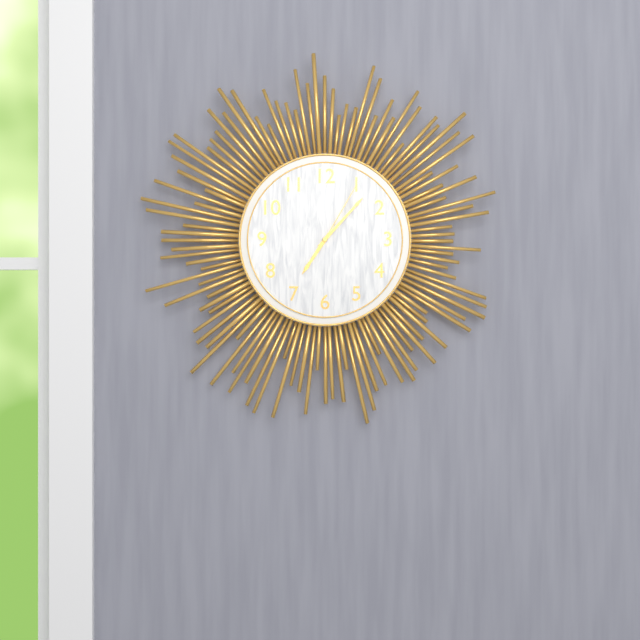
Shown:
h=7 m=7 s=5
